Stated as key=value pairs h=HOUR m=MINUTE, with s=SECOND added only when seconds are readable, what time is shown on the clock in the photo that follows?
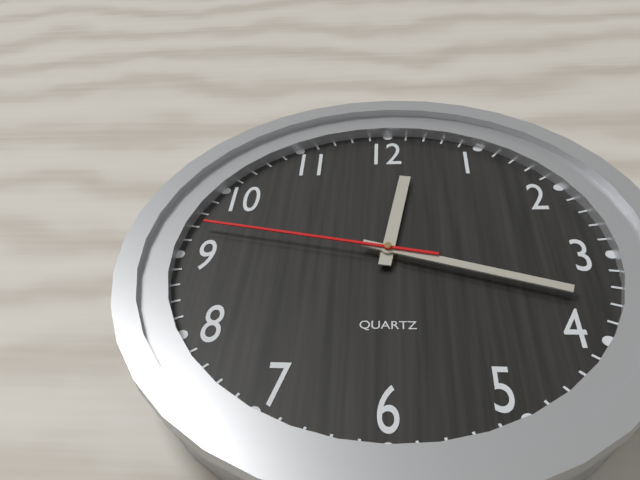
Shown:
h=12 m=18 s=47
